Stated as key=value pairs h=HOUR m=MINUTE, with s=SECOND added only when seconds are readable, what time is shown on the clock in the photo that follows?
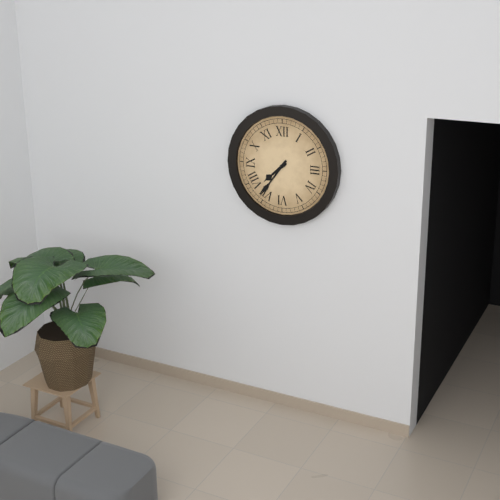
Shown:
h=7 m=36
